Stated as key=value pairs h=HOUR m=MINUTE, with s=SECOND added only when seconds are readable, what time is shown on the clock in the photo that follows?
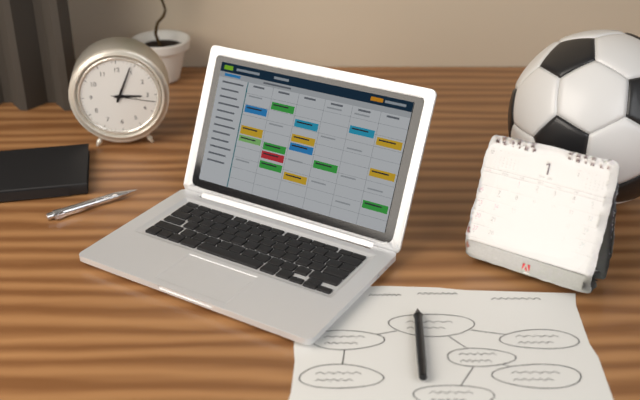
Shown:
h=3 m=4
